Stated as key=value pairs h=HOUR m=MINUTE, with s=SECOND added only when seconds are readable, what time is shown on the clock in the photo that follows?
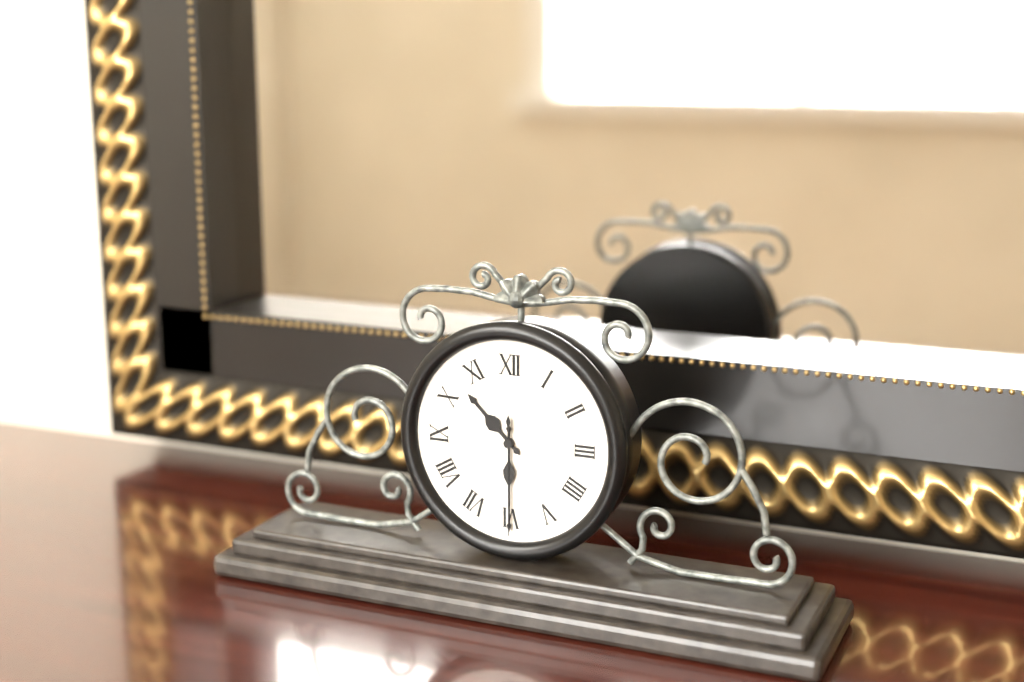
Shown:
h=10 m=30 s=30
